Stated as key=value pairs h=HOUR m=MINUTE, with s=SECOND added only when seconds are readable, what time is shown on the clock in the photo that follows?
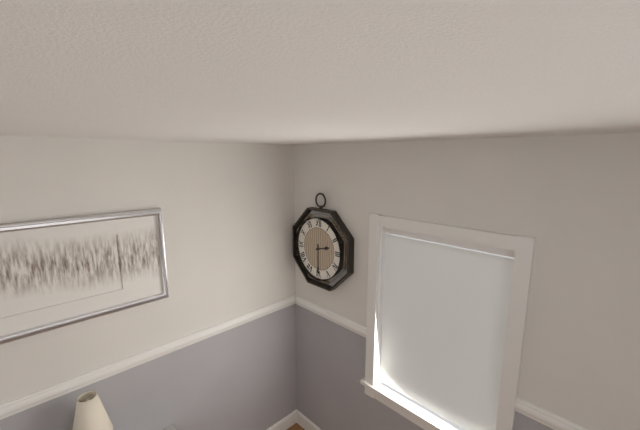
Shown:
h=2 m=30
